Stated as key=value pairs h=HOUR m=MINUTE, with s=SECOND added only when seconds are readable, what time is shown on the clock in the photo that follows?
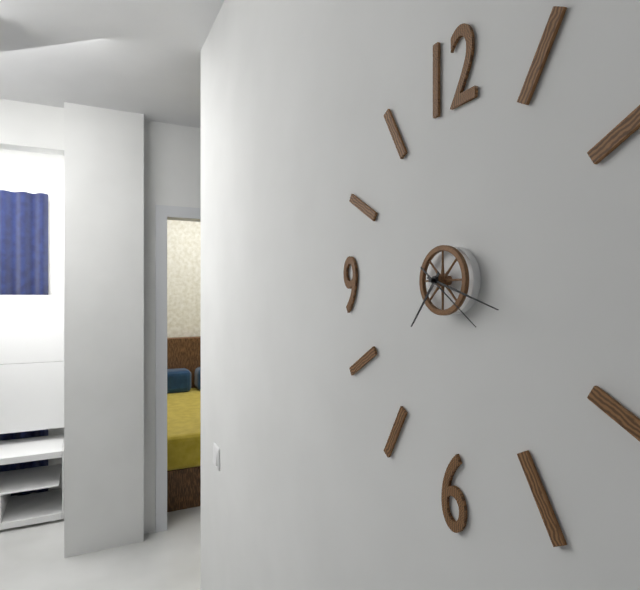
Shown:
h=7 m=18 s=21
